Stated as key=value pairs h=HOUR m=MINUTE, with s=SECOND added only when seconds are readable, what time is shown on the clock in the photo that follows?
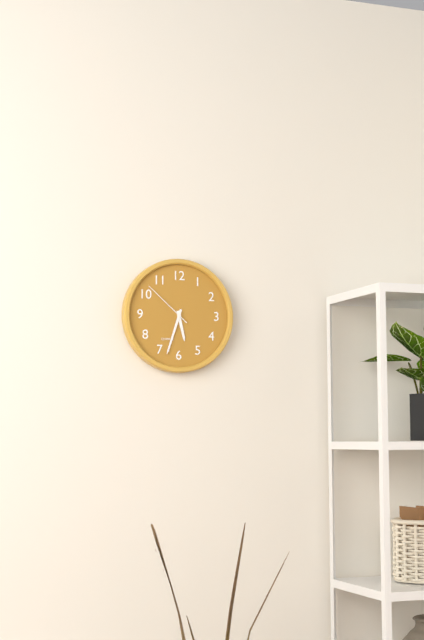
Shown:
h=5 m=33 s=52
